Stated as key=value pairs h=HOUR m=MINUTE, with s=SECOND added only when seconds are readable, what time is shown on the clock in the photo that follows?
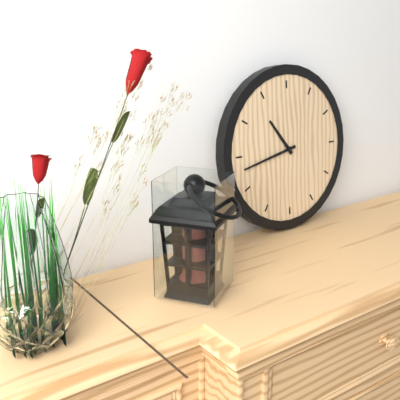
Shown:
h=10 m=43
